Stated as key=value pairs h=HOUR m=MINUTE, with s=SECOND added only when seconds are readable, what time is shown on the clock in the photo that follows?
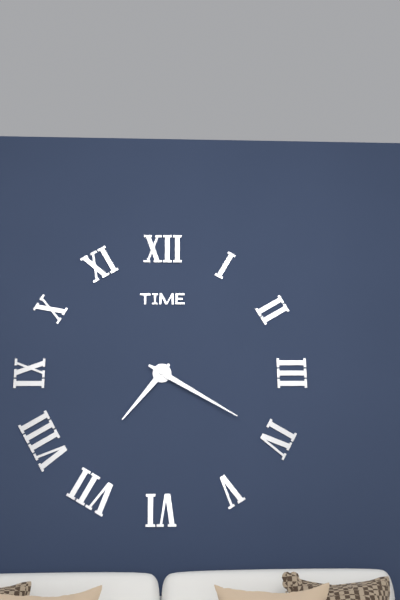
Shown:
h=7 m=20
